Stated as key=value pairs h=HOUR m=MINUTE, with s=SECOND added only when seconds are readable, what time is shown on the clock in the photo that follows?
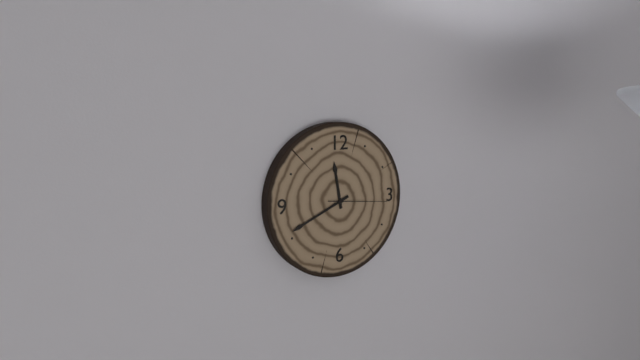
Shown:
h=11 m=41 s=16
